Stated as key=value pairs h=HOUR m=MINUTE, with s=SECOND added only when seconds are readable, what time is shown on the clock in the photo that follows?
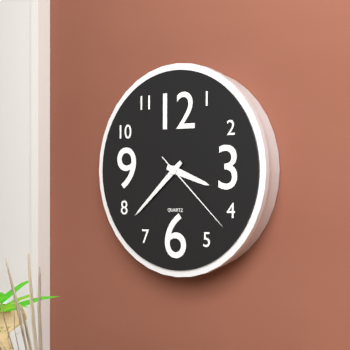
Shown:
h=3 m=38 s=22
